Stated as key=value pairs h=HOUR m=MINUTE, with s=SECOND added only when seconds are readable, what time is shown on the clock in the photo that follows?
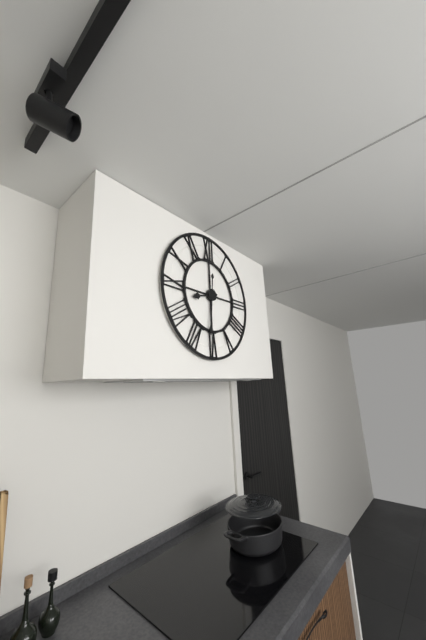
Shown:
h=8 m=31
